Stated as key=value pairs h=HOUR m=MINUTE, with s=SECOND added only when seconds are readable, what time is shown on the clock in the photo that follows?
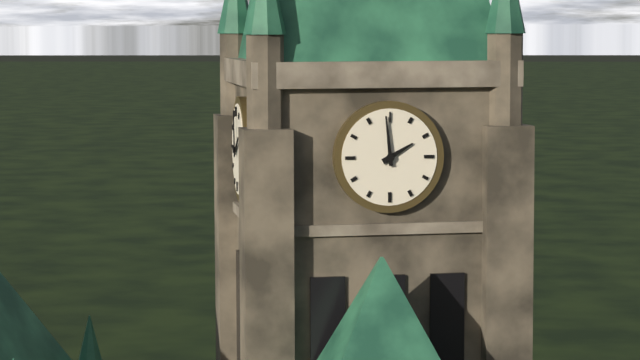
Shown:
h=1 m=59
